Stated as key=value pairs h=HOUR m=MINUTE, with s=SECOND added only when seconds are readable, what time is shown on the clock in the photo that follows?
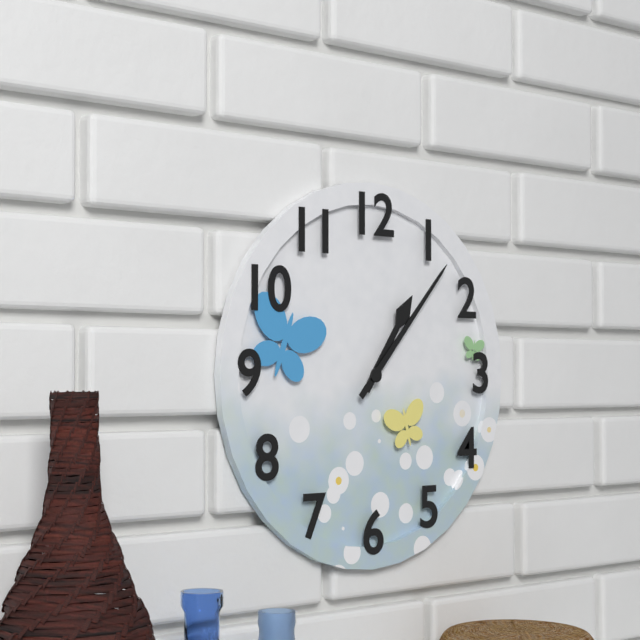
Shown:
h=1 m=7
